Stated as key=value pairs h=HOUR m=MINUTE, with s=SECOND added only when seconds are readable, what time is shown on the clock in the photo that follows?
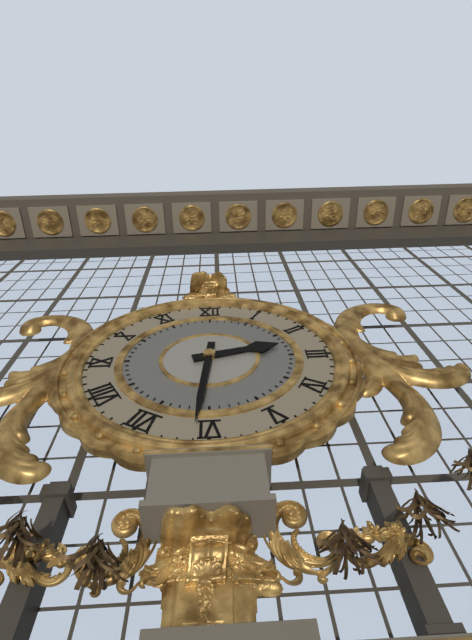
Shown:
h=2 m=31
